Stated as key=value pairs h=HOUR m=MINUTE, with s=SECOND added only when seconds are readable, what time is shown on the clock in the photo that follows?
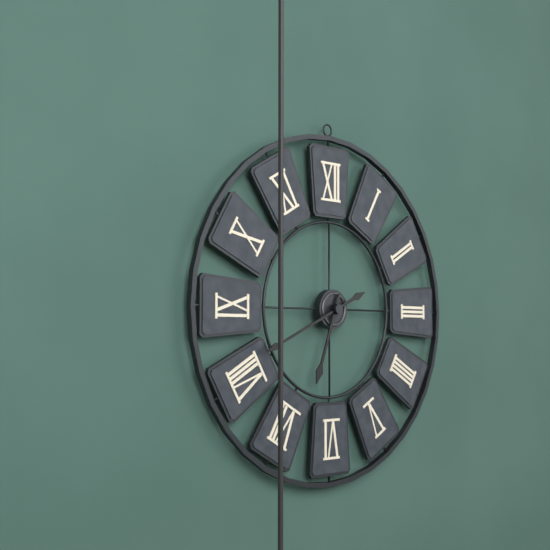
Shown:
h=6 m=41
